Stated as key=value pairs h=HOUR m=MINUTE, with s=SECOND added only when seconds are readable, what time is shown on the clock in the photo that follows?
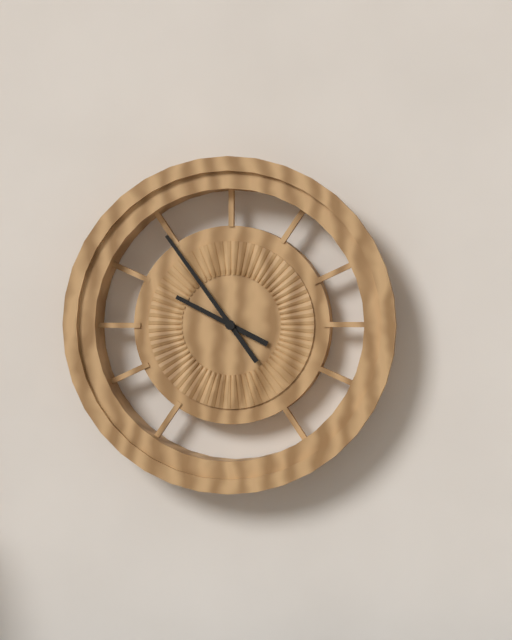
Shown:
h=9 m=54
